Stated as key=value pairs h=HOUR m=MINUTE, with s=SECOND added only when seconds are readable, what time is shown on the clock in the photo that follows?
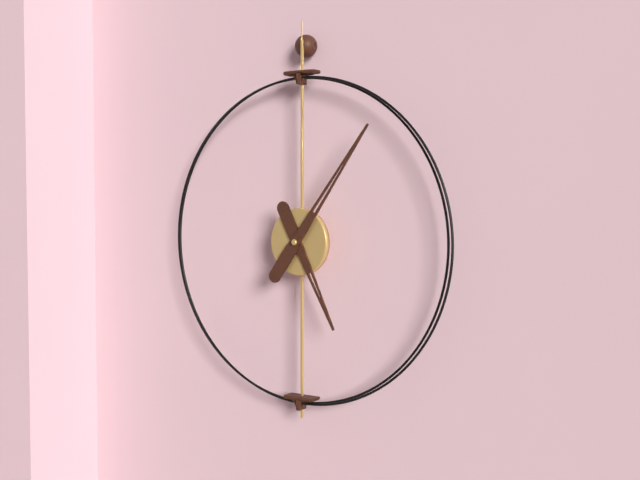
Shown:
h=5 m=6
